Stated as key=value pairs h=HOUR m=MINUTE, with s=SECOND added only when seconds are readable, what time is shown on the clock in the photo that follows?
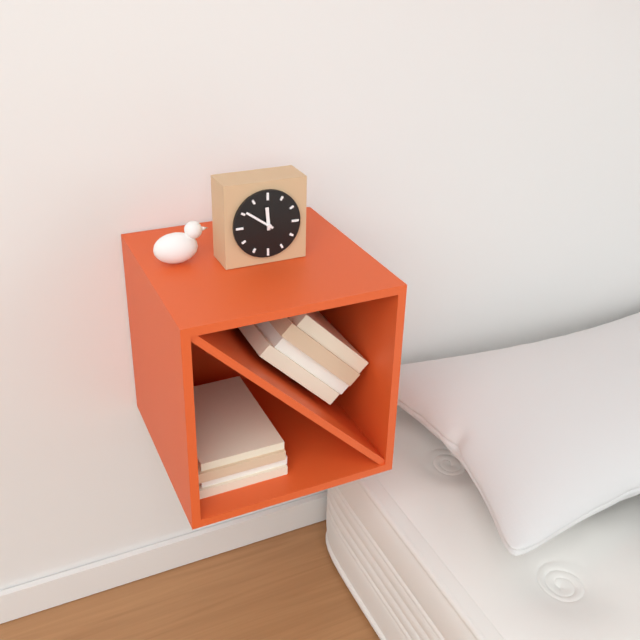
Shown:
h=11 m=51
